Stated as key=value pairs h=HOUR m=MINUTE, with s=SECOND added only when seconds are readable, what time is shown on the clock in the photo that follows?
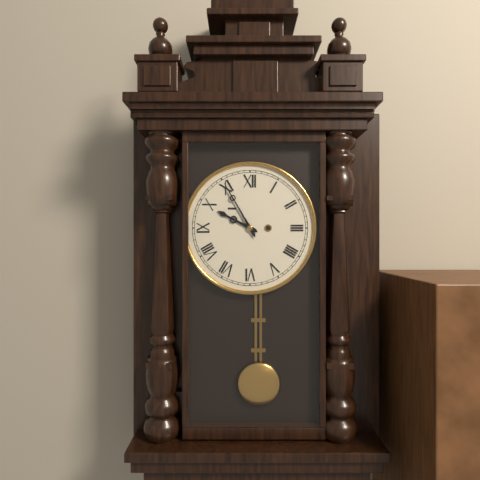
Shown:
h=9 m=55
